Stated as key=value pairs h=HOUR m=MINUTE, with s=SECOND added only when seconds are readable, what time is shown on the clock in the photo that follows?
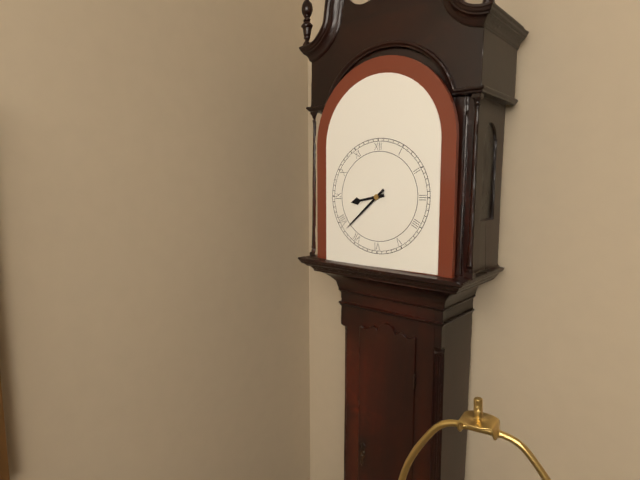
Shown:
h=8 m=38
